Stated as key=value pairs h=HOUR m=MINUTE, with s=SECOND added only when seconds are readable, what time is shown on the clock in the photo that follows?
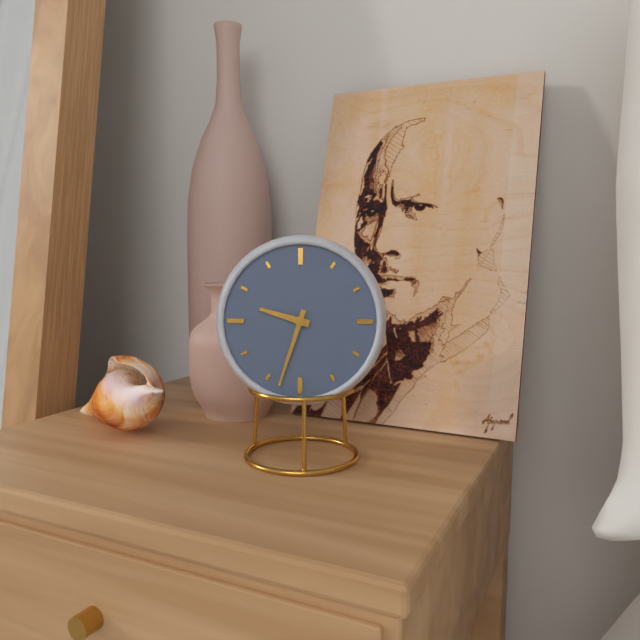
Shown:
h=9 m=33
